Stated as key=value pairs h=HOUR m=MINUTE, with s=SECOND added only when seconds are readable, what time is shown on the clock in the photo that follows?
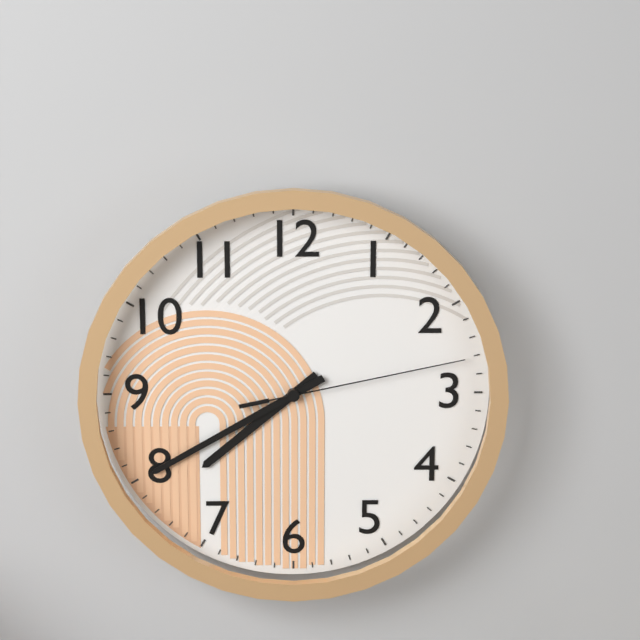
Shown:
h=7 m=40 s=13
